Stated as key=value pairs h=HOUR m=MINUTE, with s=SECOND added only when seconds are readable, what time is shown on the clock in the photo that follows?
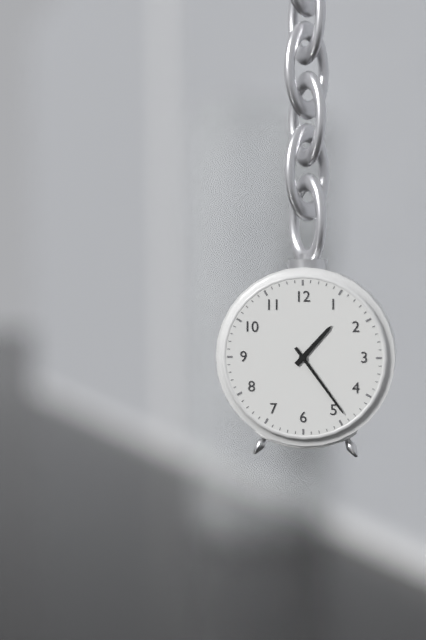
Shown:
h=1 m=24
